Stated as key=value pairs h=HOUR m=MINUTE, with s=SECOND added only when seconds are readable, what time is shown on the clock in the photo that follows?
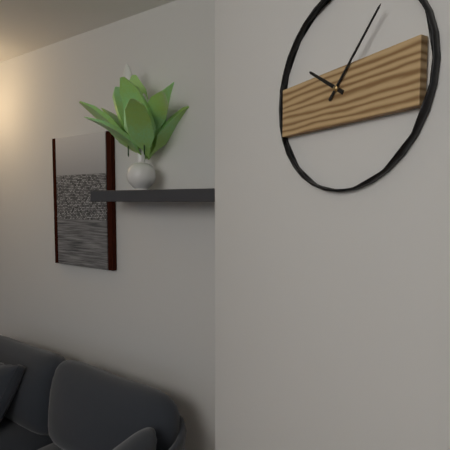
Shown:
h=10 m=7
